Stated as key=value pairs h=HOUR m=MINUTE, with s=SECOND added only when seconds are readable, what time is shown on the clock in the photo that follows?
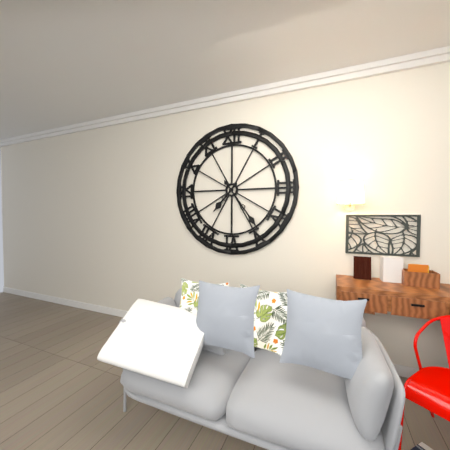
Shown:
h=7 m=24
